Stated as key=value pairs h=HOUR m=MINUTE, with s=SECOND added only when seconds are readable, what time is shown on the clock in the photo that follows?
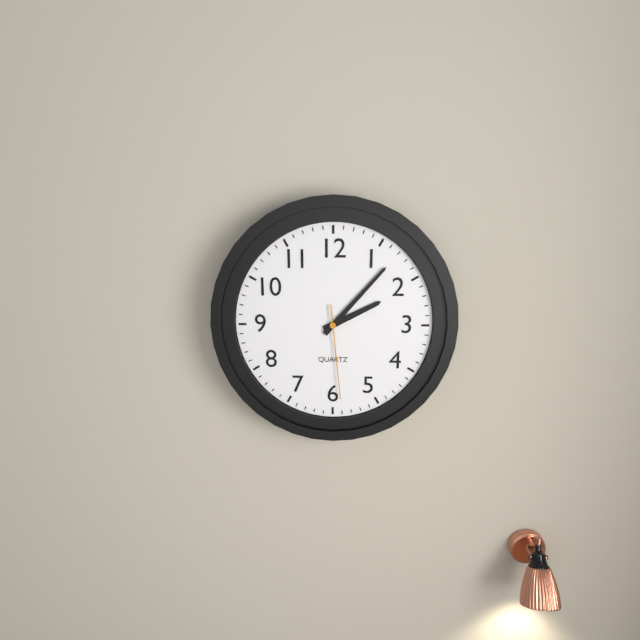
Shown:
h=2 m=7 s=29
